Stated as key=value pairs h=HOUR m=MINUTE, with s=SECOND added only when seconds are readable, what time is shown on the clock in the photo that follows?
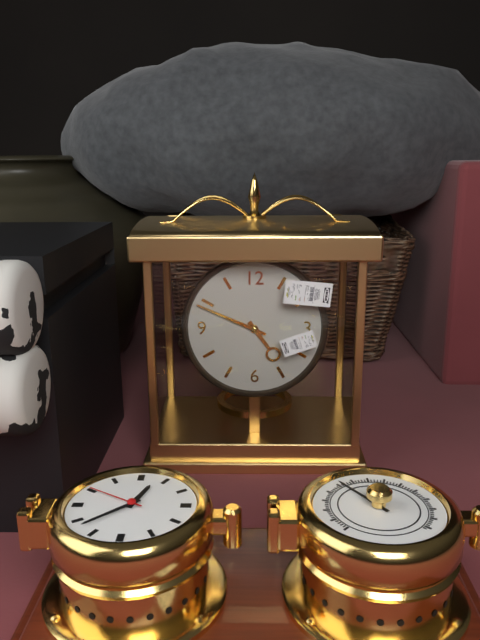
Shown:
h=4 m=49
